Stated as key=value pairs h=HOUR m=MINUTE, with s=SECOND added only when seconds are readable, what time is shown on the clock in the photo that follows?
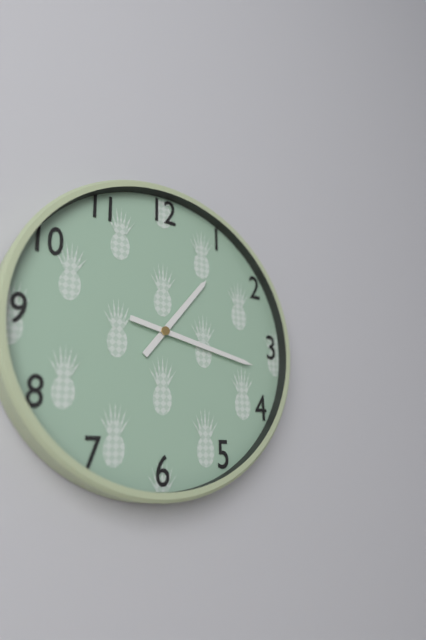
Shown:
h=1 m=17
